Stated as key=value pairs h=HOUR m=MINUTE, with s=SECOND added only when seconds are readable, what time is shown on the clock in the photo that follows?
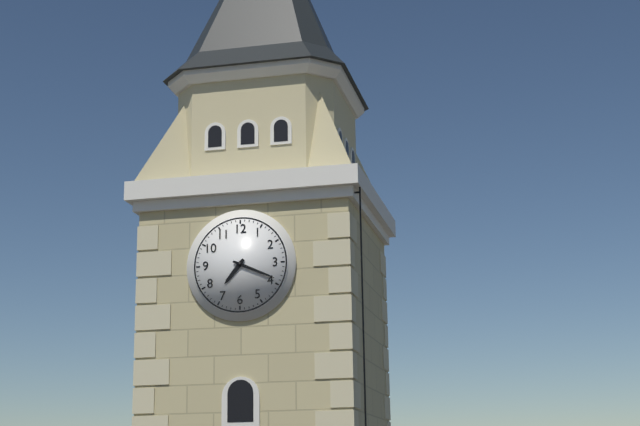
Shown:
h=7 m=19
